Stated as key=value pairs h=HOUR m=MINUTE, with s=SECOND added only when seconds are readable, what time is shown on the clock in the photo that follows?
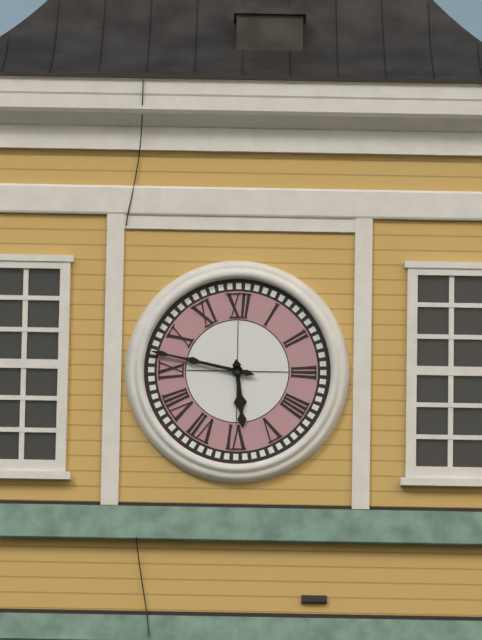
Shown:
h=5 m=47
